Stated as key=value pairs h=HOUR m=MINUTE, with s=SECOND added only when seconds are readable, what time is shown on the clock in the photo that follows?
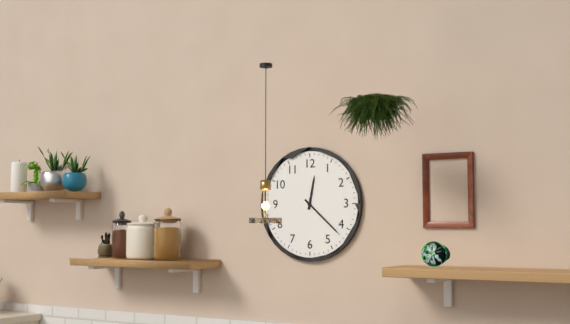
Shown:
h=12 m=22
